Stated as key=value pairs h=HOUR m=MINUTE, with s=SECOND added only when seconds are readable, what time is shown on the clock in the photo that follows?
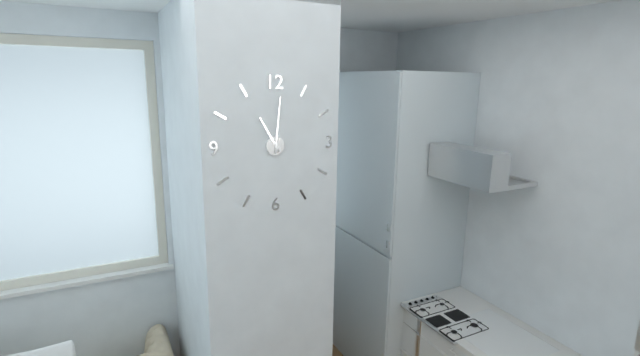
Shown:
h=11 m=1
